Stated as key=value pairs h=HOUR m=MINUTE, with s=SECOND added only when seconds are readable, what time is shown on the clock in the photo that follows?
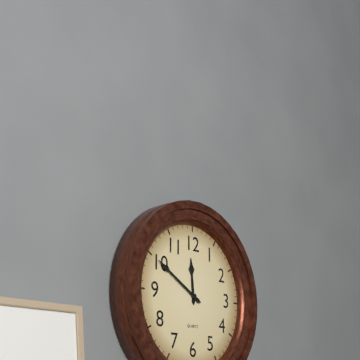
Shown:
h=11 m=50
